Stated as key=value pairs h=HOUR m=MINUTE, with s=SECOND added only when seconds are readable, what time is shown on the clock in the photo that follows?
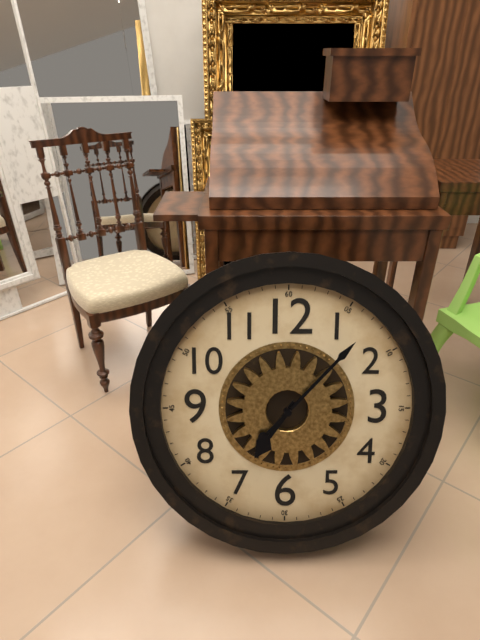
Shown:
h=7 m=7
